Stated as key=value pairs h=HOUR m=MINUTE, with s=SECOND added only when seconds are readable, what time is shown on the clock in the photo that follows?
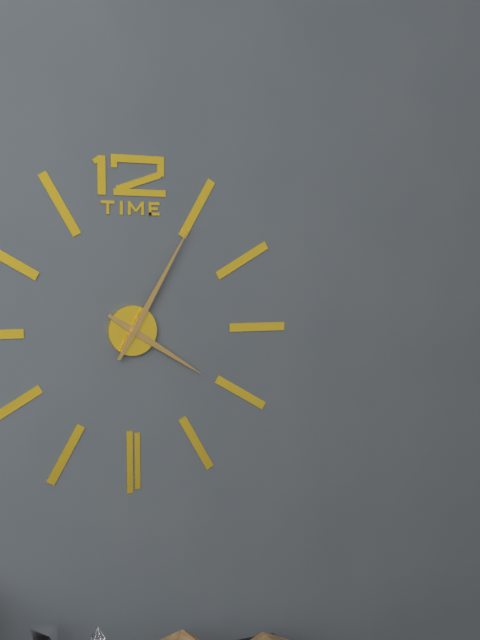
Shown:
h=4 m=5
